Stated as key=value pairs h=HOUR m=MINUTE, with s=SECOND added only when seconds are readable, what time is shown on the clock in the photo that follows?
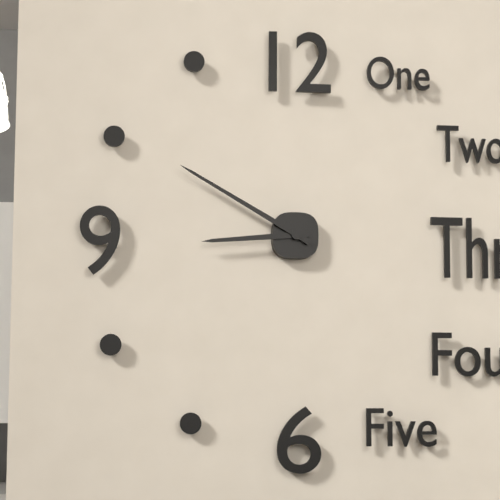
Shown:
h=8 m=50
